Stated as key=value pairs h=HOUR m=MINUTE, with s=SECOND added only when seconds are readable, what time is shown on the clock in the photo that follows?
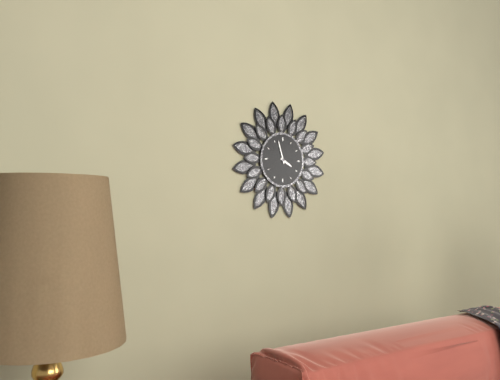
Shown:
h=3 m=57
